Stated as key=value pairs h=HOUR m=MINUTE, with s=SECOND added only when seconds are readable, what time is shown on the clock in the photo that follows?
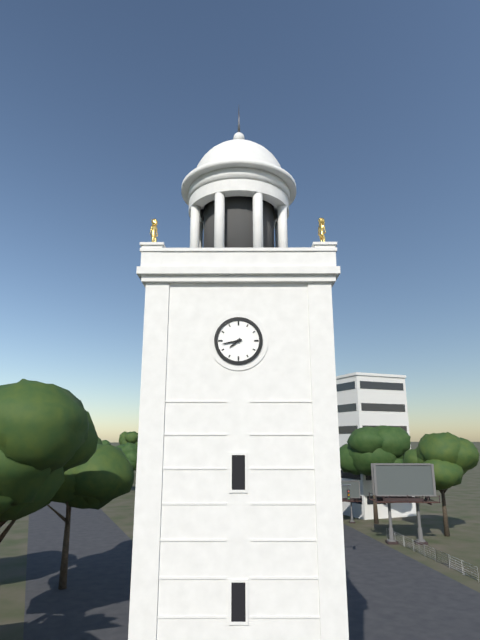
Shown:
h=7 m=43
